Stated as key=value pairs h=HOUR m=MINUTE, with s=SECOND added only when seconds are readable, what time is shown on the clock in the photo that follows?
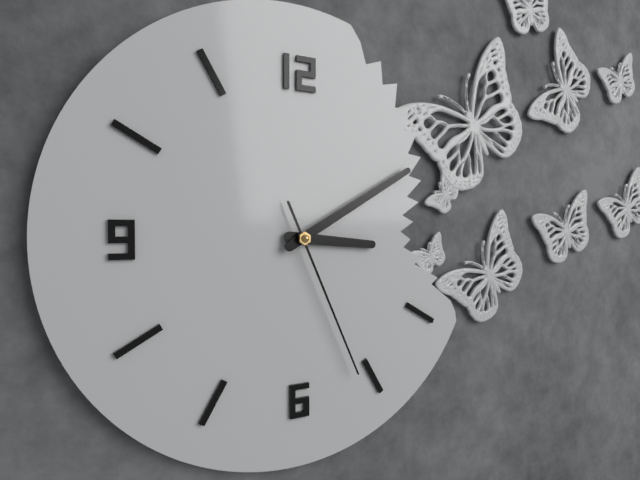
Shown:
h=3 m=10 s=26
